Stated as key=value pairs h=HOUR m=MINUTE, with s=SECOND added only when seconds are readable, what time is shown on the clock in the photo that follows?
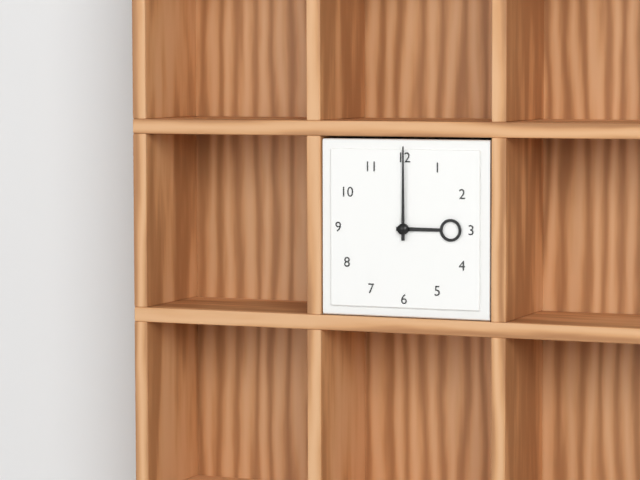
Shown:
h=3 m=0
